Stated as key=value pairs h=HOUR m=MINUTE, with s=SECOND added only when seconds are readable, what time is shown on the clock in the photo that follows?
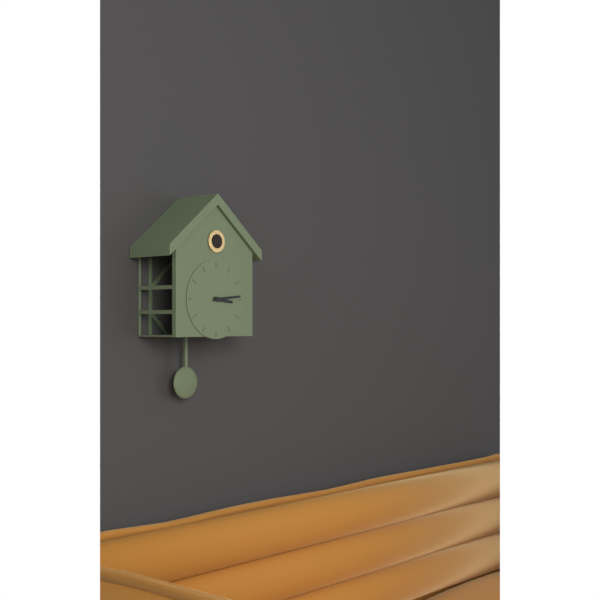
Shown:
h=3 m=14
